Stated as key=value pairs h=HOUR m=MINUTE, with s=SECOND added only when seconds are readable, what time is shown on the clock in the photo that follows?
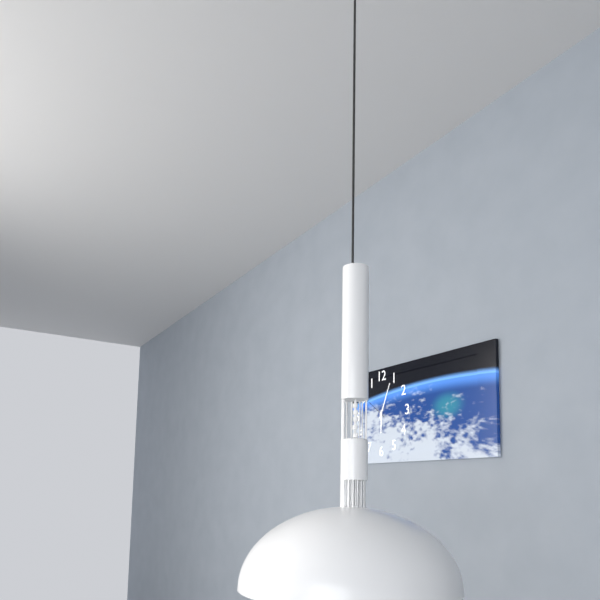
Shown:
h=6 m=4
